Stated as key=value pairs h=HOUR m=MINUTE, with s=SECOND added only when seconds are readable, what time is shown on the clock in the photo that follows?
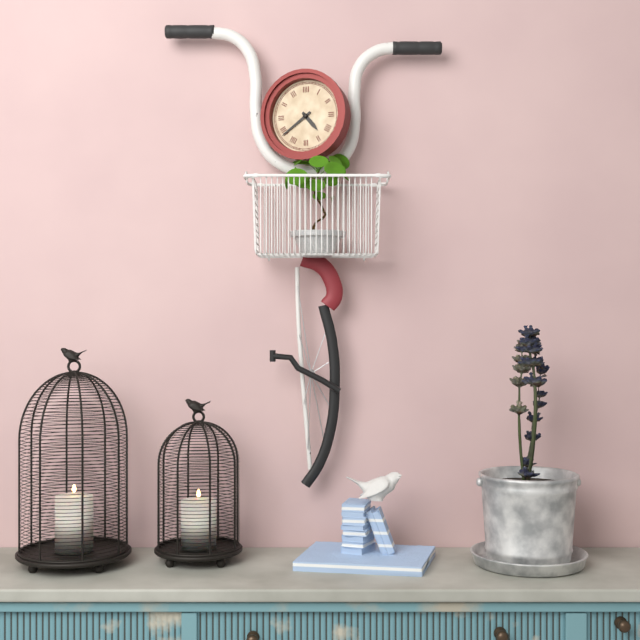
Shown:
h=4 m=39
